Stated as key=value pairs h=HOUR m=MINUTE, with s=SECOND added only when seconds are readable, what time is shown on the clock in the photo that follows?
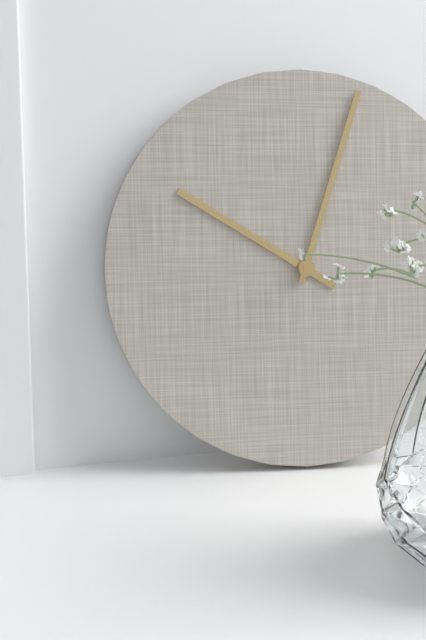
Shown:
h=10 m=3
